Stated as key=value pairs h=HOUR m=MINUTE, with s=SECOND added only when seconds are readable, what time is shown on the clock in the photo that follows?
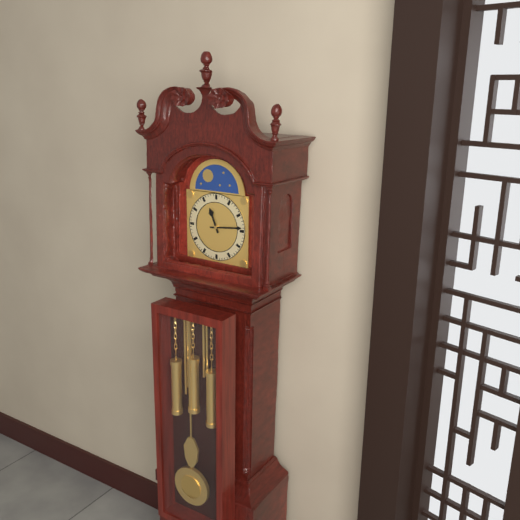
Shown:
h=11 m=14
